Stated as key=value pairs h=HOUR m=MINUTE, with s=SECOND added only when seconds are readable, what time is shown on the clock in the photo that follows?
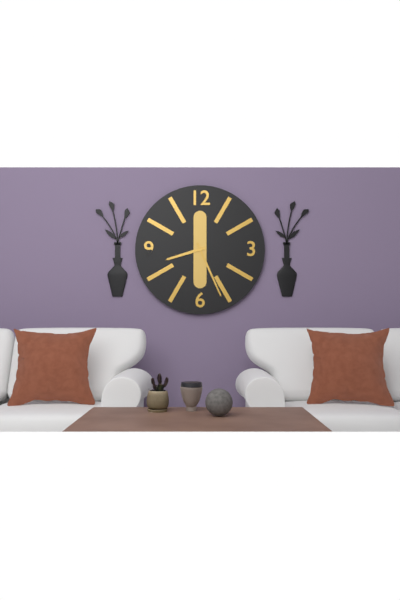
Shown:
h=8 m=26
